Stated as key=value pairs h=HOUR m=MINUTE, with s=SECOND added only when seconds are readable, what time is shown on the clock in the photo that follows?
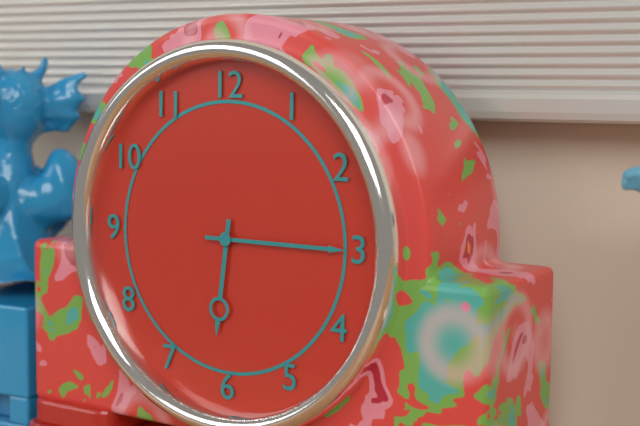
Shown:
h=6 m=15
